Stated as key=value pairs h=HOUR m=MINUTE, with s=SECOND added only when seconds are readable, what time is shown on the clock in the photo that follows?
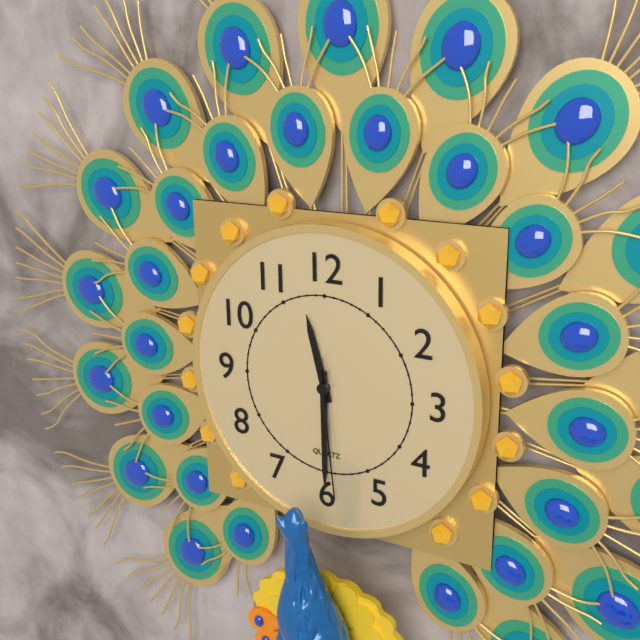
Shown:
h=11 m=30 s=29
